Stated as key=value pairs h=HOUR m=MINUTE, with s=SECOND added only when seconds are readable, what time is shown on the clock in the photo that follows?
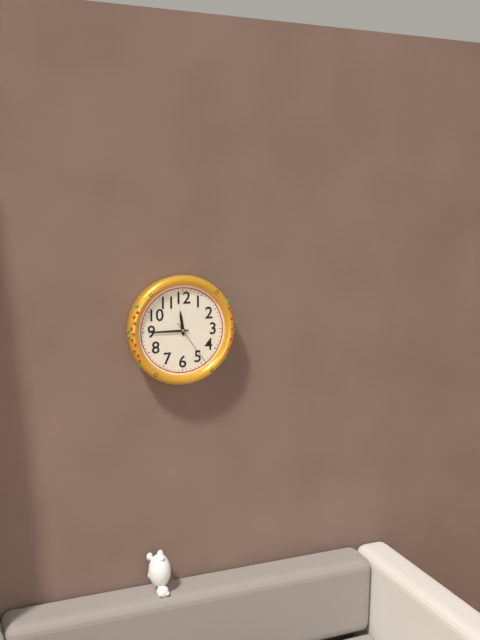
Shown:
h=11 m=45
